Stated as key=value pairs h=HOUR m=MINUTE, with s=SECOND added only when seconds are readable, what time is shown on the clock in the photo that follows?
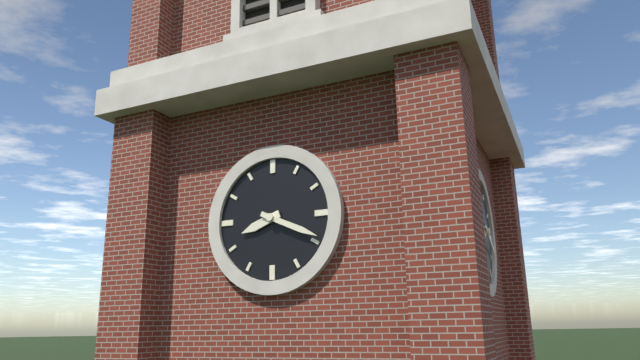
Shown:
h=8 m=19
